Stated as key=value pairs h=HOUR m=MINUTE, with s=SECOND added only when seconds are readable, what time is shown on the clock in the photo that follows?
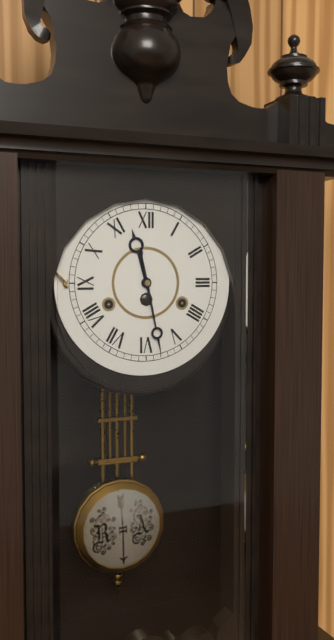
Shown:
h=11 m=28
